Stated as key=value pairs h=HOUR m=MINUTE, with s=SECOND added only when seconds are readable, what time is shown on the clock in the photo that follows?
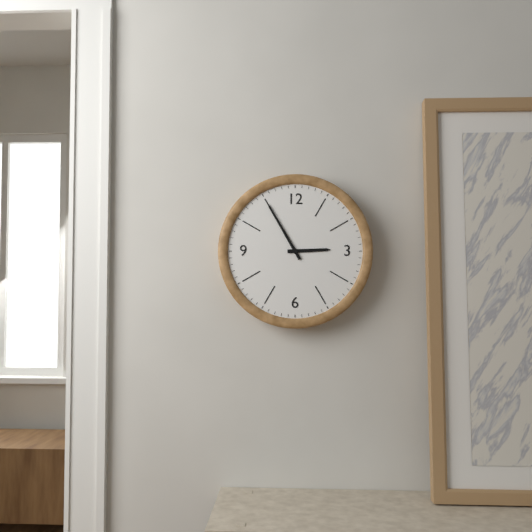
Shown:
h=2 m=55
